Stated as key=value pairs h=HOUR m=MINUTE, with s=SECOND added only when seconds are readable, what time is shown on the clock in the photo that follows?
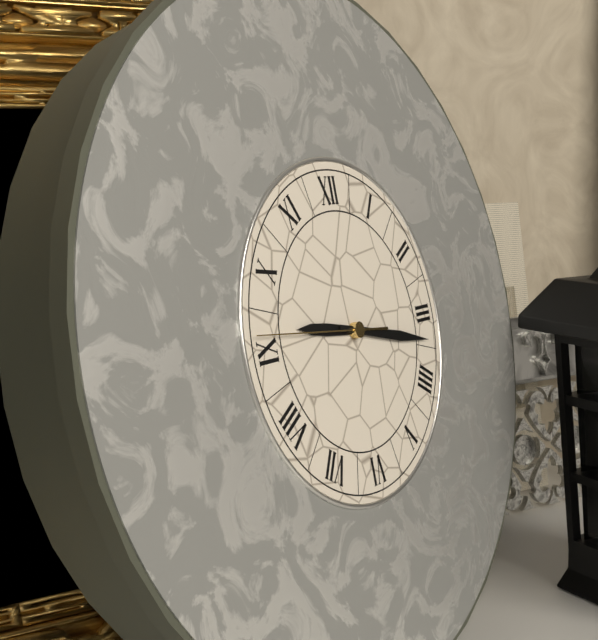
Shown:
h=9 m=17 s=46
